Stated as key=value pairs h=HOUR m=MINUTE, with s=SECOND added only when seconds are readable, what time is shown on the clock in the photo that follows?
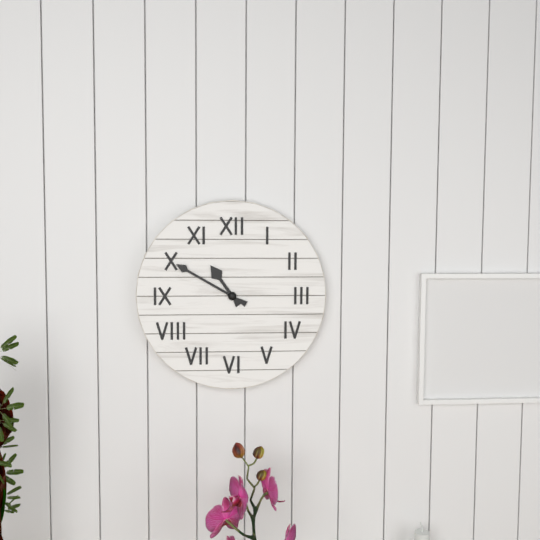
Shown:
h=10 m=50
